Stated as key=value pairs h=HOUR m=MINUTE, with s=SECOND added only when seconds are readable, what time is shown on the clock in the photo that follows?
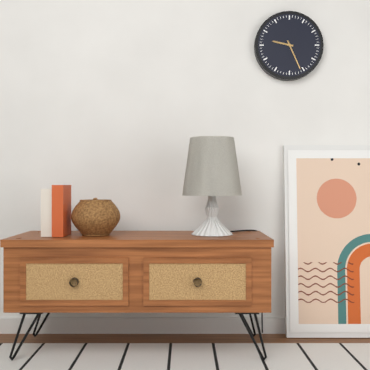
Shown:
h=9 m=26
